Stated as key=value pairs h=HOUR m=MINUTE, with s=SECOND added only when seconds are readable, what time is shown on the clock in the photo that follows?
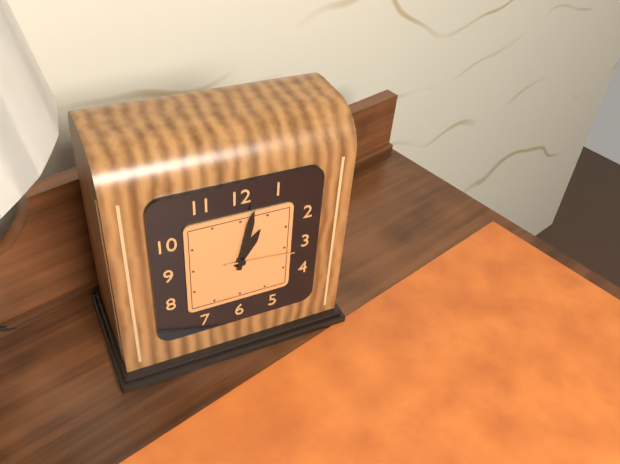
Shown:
h=1 m=2 s=16
